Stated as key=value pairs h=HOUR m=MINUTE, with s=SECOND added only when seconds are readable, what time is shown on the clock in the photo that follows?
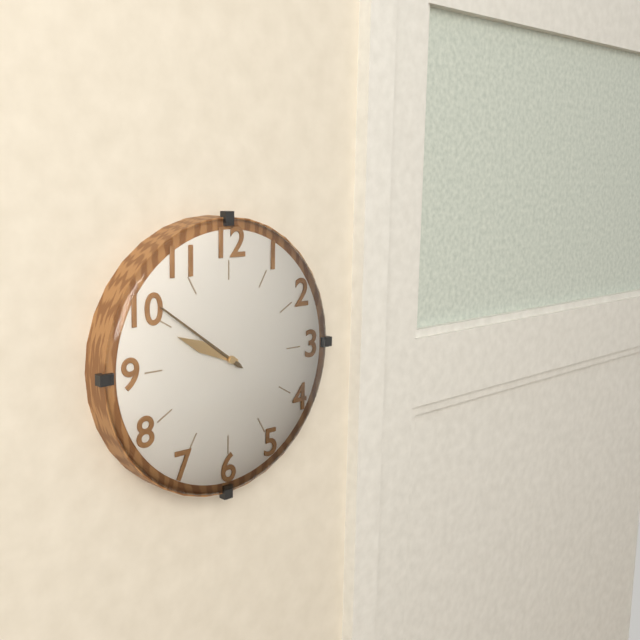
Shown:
h=9 m=51
